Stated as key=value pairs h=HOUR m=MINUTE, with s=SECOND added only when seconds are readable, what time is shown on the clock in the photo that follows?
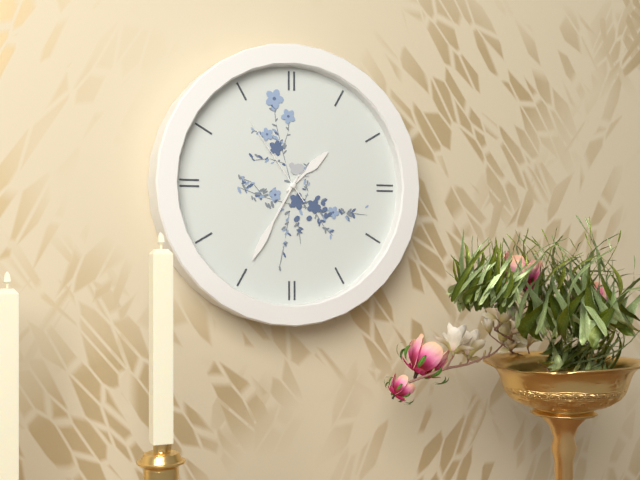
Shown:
h=1 m=35 s=54
